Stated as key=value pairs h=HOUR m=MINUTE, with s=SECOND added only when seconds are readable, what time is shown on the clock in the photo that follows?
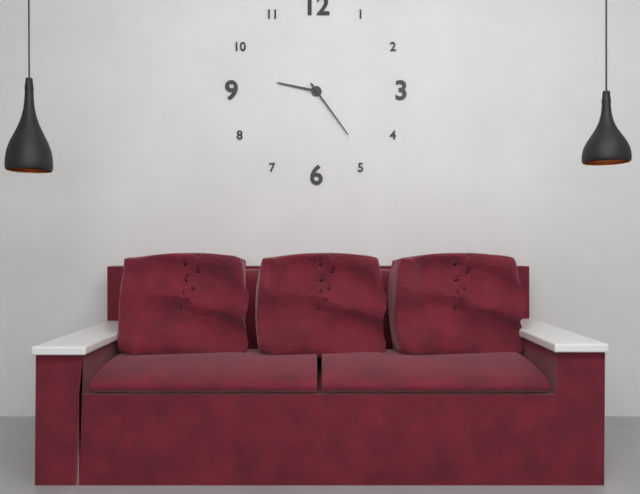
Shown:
h=9 m=24
